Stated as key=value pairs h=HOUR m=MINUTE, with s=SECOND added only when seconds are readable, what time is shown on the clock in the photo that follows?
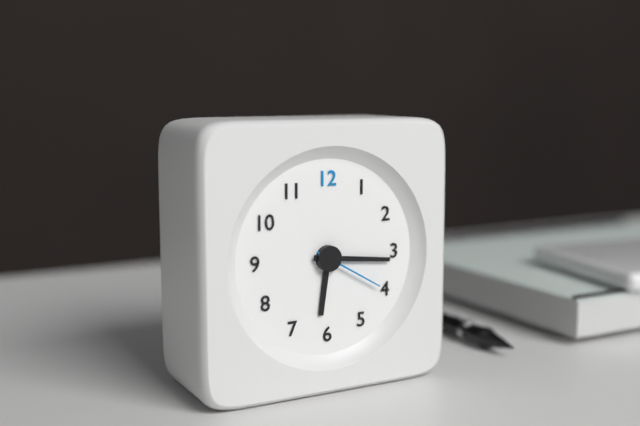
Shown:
h=6 m=16 s=20
